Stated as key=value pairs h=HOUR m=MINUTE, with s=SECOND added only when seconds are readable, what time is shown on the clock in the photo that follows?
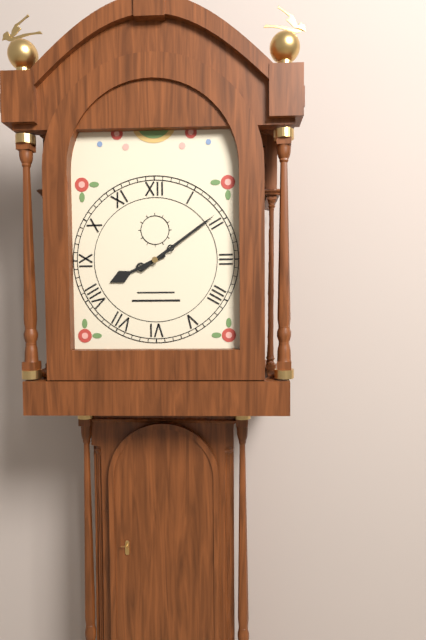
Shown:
h=8 m=9
